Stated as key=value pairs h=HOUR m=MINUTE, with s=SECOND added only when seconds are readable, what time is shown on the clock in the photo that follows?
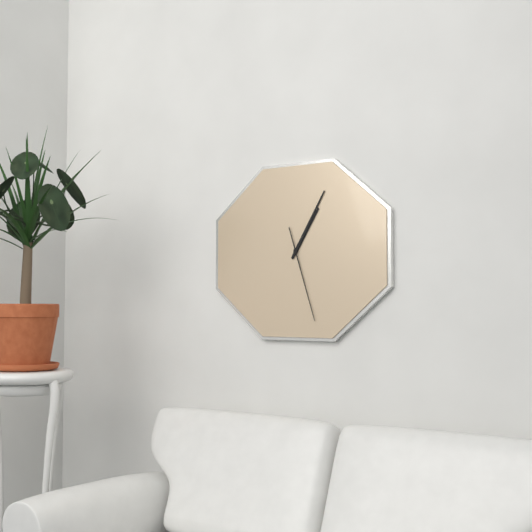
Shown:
h=1 m=5 s=27
